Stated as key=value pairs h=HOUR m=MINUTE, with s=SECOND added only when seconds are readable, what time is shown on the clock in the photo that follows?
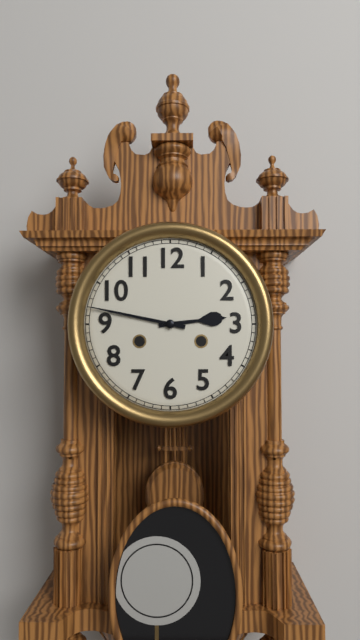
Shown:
h=2 m=47
